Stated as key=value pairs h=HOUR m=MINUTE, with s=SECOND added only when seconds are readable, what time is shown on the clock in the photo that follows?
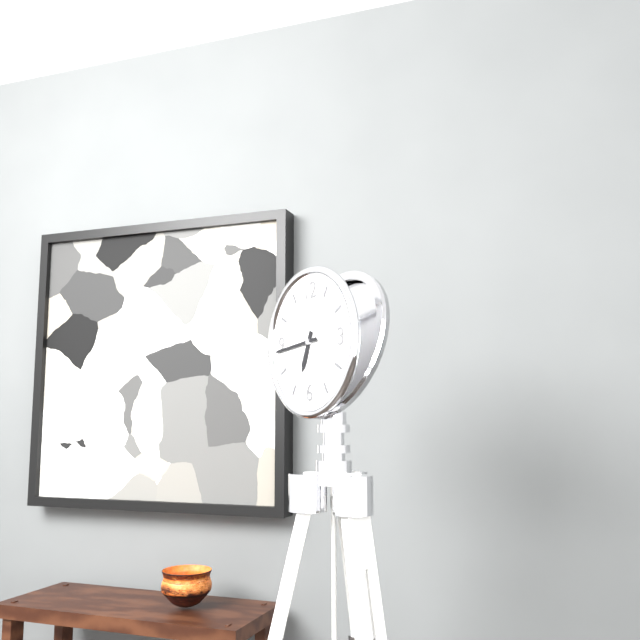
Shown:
h=6 m=44
